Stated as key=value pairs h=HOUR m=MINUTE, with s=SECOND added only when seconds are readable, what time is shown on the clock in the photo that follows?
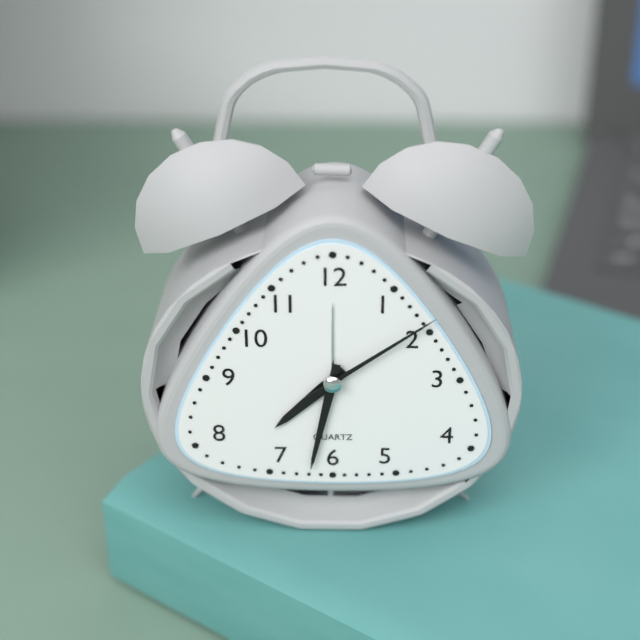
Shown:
h=7 m=32 s=9
